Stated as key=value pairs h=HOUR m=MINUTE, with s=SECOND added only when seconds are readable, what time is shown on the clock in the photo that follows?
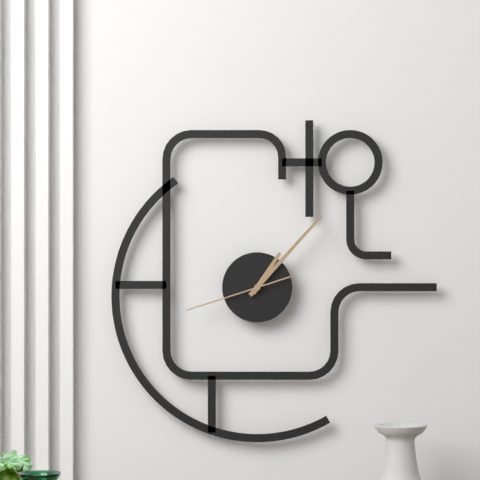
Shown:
h=1 m=7 s=42
